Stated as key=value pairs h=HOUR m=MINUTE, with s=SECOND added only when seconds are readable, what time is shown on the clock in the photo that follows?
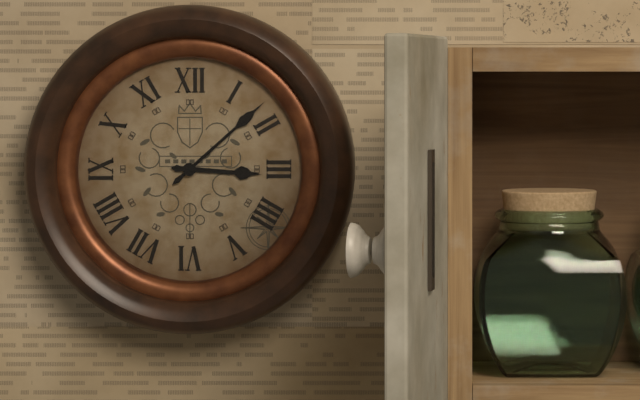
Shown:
h=3 m=8
